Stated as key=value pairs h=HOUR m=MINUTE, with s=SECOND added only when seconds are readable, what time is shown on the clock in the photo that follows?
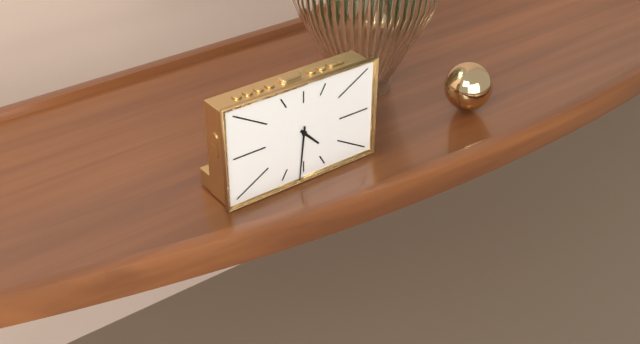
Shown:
h=4 m=31
